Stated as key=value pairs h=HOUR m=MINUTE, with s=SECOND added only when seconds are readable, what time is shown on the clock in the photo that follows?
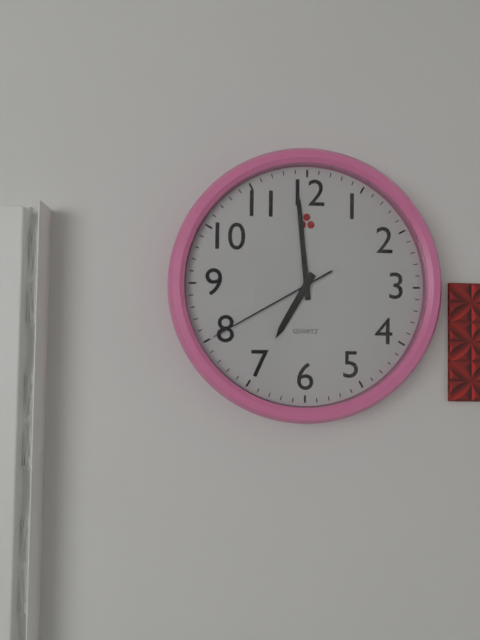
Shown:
h=6 m=59 s=40
